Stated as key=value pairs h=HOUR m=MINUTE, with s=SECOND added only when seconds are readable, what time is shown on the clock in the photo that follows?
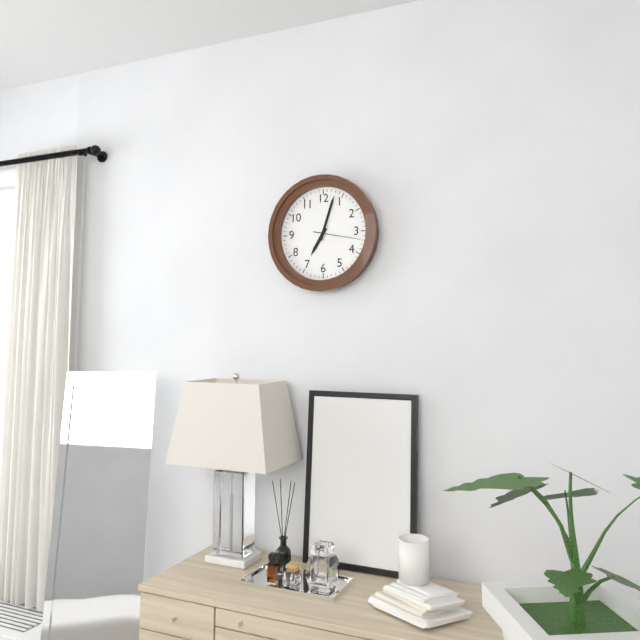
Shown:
h=7 m=3
